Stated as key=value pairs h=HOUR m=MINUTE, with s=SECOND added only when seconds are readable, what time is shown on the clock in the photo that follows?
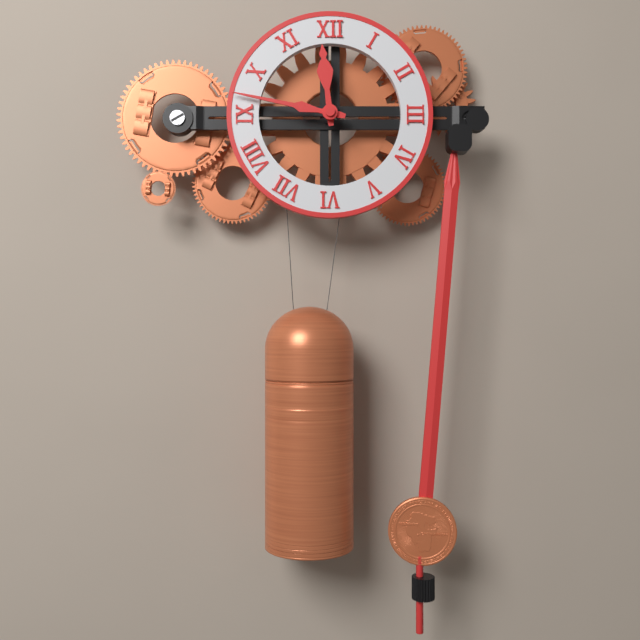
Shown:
h=11 m=47
